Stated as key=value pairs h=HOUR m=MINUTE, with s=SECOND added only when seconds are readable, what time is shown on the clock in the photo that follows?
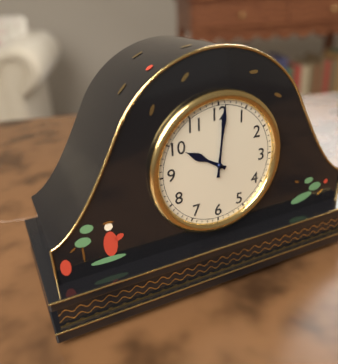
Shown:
h=10 m=1
